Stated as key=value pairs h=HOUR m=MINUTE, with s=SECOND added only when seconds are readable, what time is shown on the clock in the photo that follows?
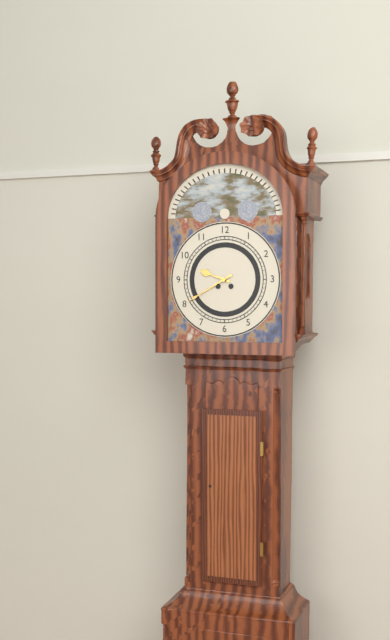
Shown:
h=9 m=40
